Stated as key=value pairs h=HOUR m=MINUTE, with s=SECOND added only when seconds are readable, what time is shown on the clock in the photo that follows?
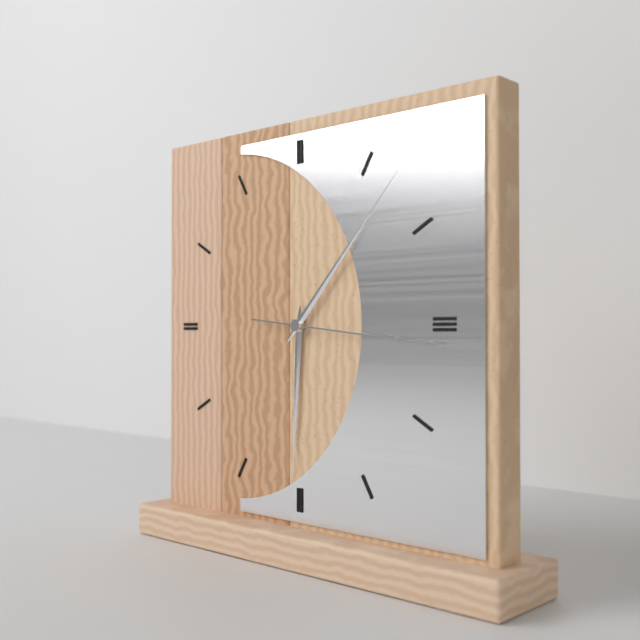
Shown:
h=6 m=7 s=16
